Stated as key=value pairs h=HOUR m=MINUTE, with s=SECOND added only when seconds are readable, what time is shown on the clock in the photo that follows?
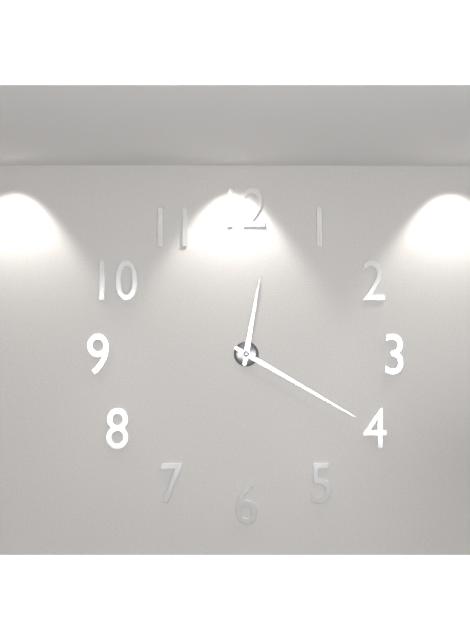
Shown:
h=12 m=20
